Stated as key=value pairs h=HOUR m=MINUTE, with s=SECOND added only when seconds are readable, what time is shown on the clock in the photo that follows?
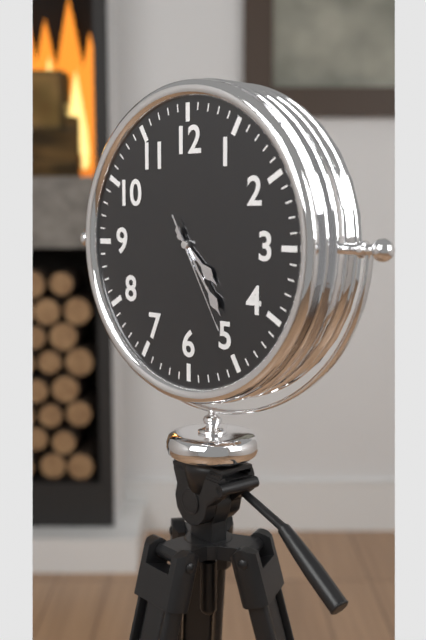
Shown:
h=4 m=24 s=25
